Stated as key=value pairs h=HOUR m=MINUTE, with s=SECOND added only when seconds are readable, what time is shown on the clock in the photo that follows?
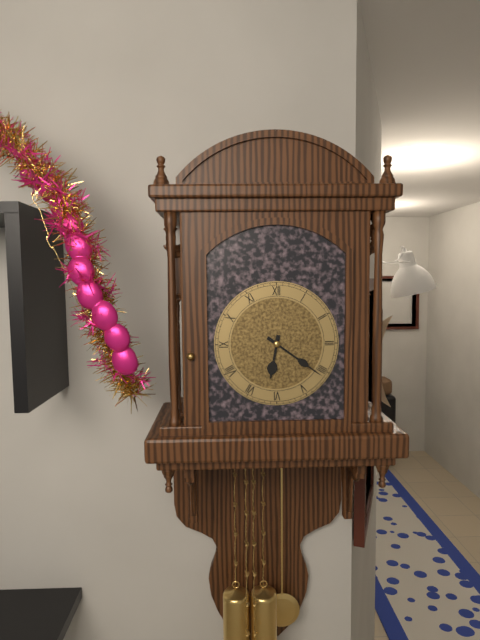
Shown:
h=6 m=21
